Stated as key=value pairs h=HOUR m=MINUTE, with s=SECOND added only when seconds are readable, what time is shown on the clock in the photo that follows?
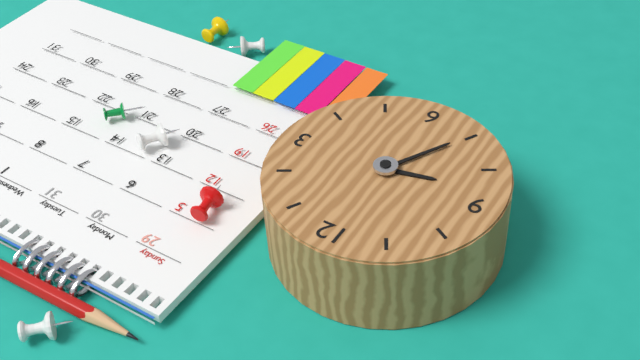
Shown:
h=8 m=35
